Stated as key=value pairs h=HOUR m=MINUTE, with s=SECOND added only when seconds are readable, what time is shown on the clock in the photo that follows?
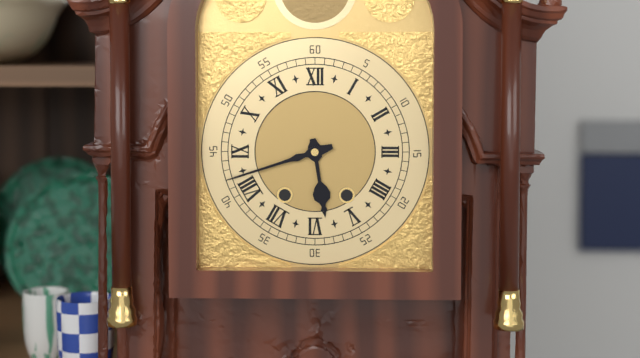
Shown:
h=5 m=42
